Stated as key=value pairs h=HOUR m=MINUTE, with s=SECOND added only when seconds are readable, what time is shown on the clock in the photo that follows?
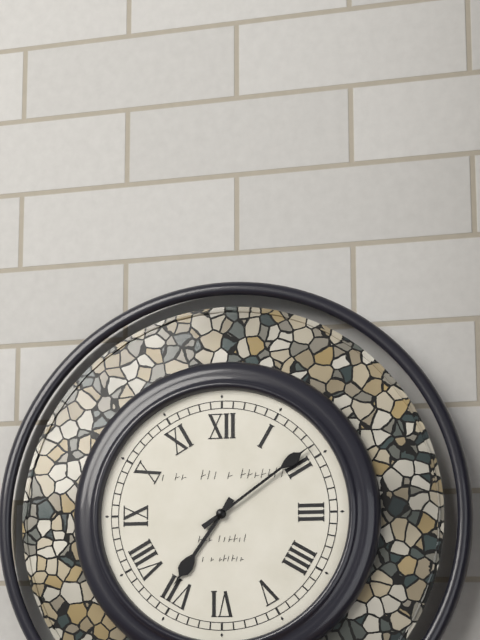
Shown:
h=7 m=9
